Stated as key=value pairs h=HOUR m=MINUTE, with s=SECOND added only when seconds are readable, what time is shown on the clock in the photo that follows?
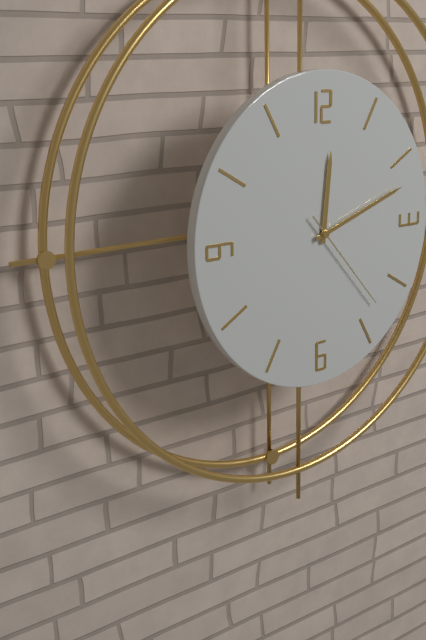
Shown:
h=12 m=12 s=23
